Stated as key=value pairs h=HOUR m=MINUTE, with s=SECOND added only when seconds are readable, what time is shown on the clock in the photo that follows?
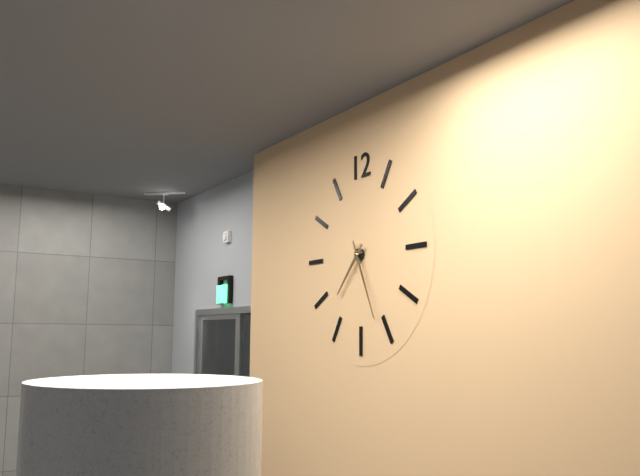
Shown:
h=7 m=26
